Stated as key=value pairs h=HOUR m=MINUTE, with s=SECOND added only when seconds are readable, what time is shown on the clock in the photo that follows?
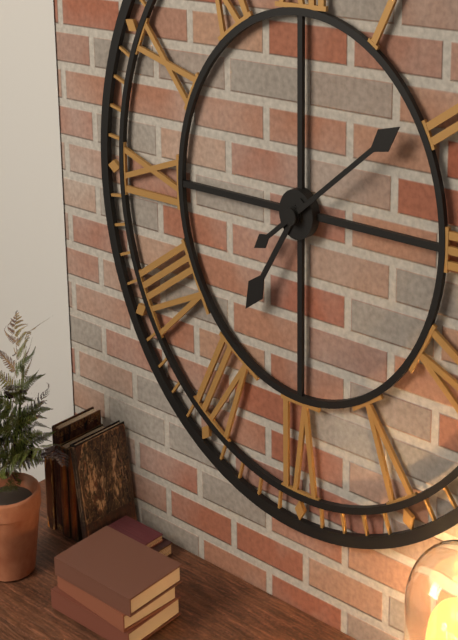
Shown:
h=7 m=9
